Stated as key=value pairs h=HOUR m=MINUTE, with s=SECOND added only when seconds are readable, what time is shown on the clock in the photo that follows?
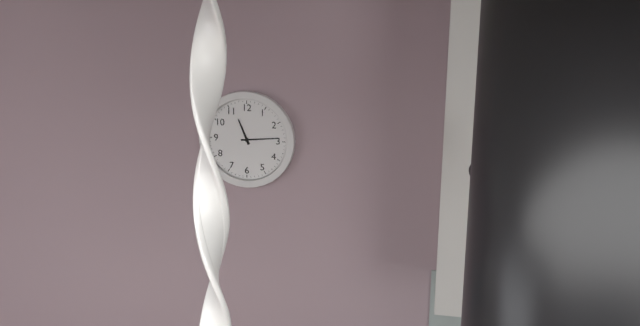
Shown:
h=11 m=14
